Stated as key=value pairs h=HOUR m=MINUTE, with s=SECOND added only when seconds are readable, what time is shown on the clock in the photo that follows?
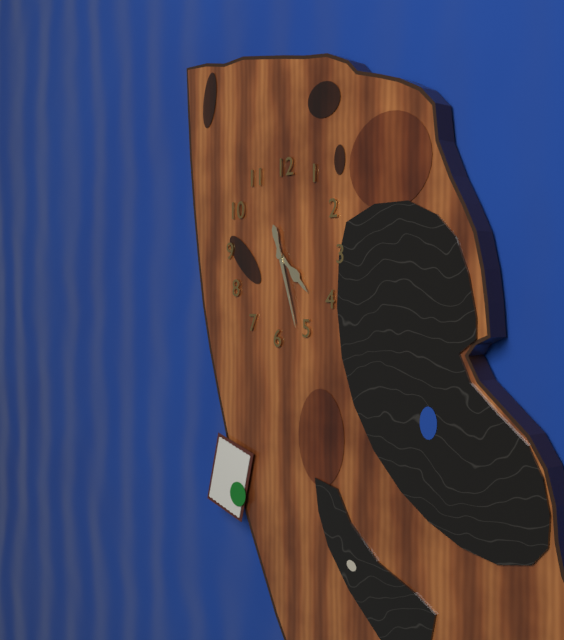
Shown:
h=4 m=27
